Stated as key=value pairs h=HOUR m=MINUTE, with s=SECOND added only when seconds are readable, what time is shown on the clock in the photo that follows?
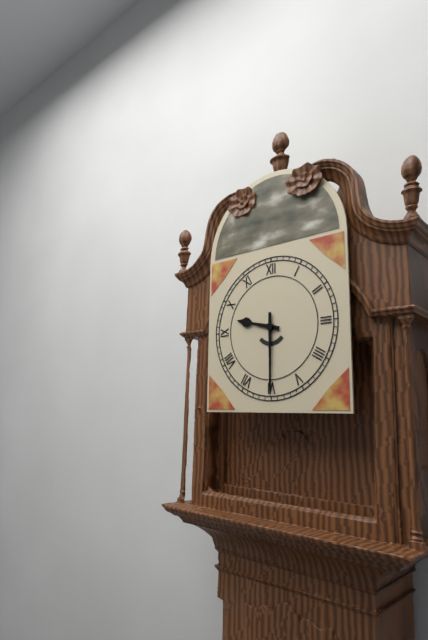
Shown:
h=9 m=30
